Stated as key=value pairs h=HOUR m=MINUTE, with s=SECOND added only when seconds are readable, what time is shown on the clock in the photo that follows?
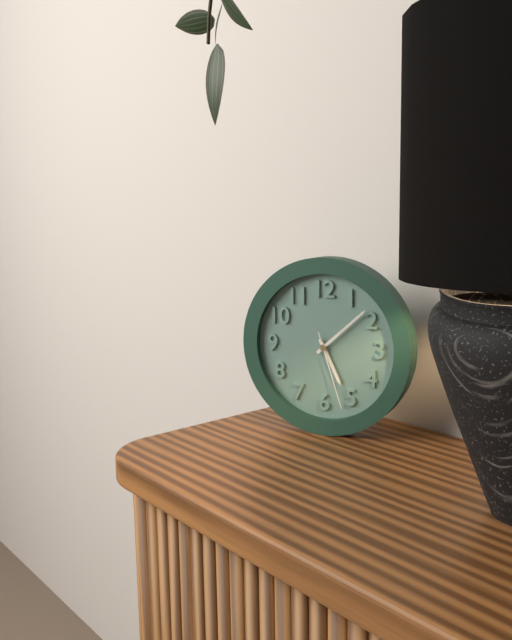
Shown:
h=5 m=8 s=27
